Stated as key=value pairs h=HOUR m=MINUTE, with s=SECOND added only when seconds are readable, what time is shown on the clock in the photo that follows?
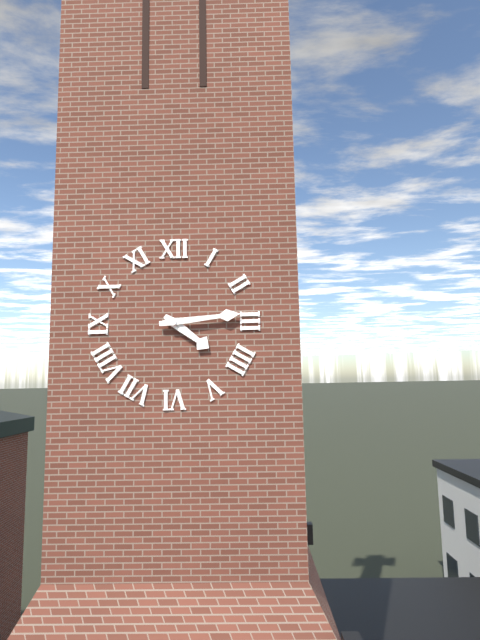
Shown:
h=4 m=14
